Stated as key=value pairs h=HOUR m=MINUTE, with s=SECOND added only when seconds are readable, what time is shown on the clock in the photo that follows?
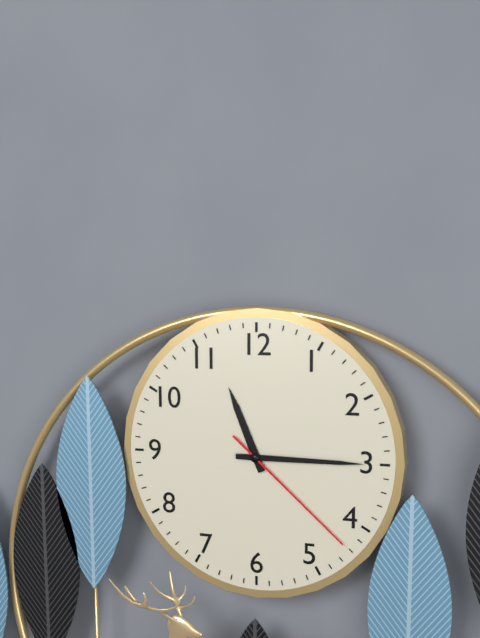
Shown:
h=11 m=15 s=22
